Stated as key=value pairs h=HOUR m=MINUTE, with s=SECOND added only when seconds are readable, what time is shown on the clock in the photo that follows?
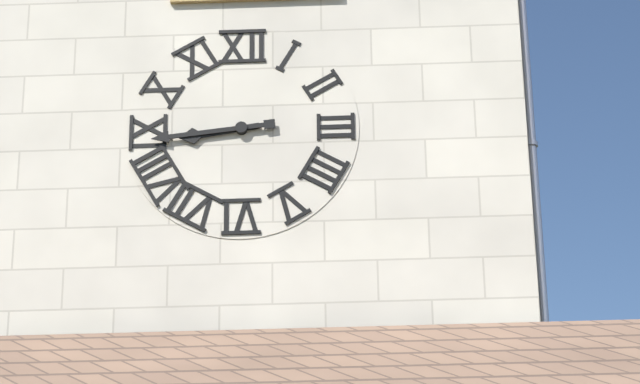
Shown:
h=8 m=44
